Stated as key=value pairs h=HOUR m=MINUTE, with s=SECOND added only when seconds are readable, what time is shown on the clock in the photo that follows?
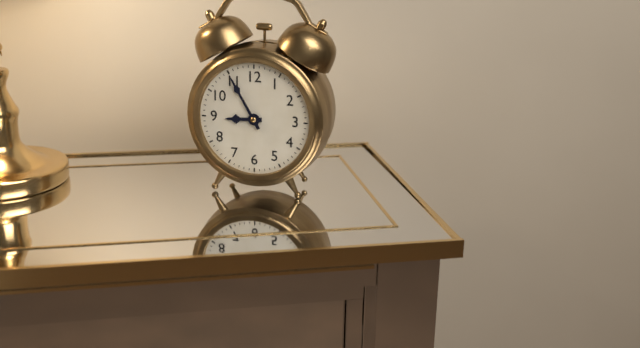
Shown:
h=8 m=55
